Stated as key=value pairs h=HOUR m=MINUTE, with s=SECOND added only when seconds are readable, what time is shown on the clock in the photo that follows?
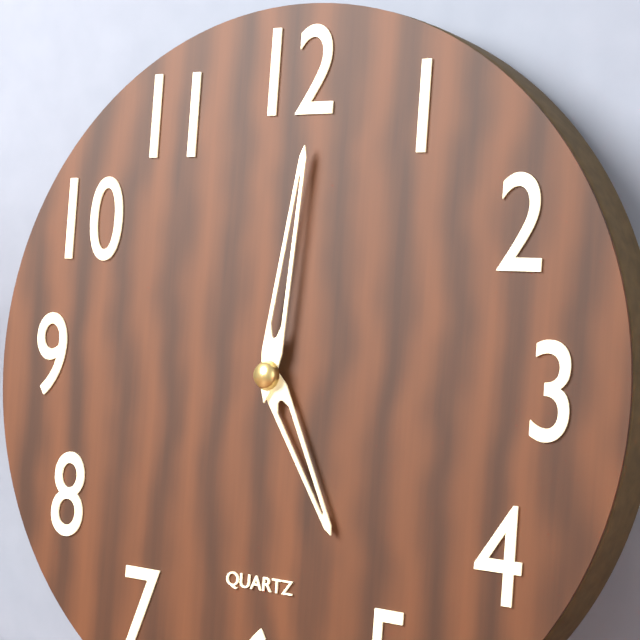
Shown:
h=5 m=1
